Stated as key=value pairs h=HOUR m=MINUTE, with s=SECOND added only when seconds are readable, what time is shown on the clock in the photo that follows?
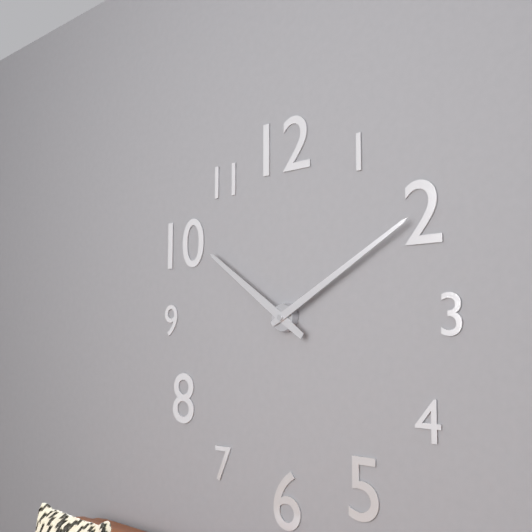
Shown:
h=10 m=10
